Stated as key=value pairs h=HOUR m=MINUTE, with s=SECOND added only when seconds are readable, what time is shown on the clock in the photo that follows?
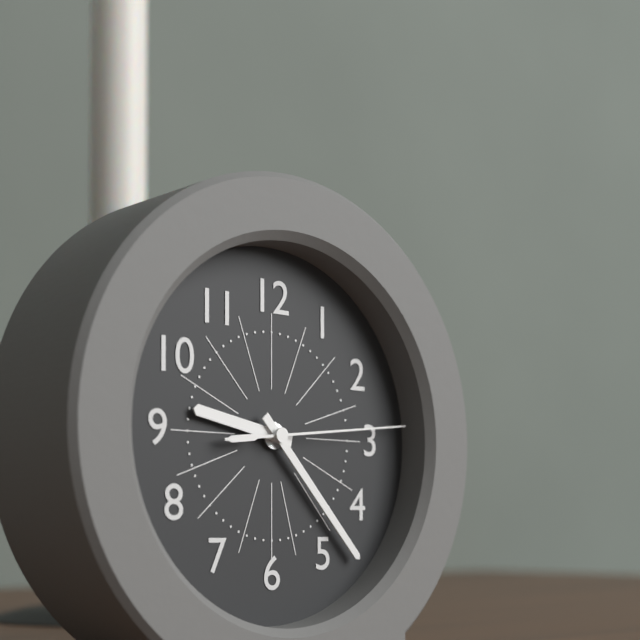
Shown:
h=9 m=23 s=14
